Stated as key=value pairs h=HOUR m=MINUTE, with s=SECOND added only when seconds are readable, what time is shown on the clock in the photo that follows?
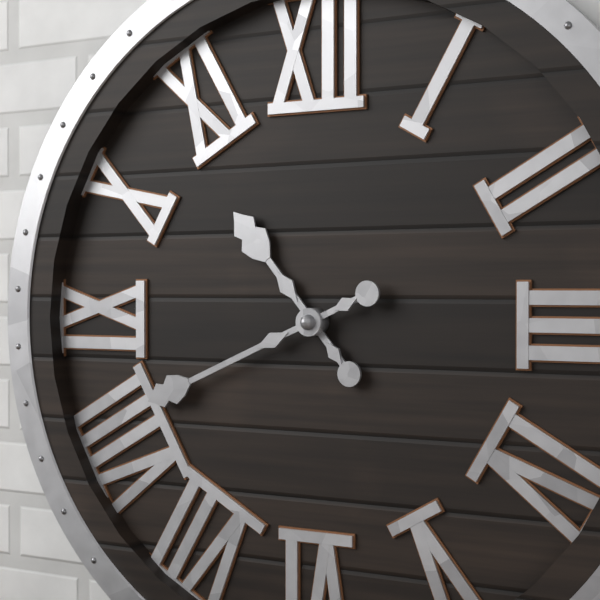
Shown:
h=10 m=41
